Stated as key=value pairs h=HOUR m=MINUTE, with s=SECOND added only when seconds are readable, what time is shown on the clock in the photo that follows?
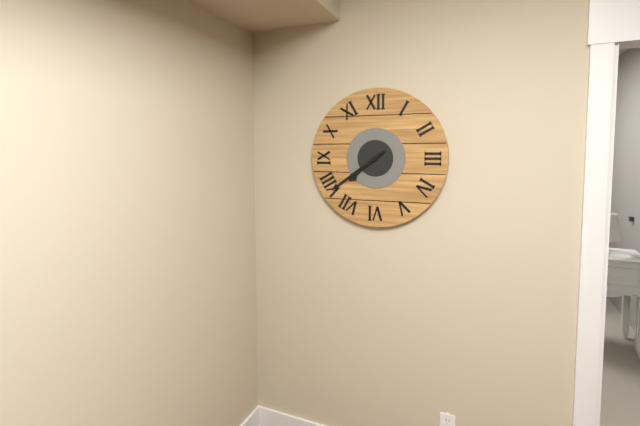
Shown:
h=7 m=39
